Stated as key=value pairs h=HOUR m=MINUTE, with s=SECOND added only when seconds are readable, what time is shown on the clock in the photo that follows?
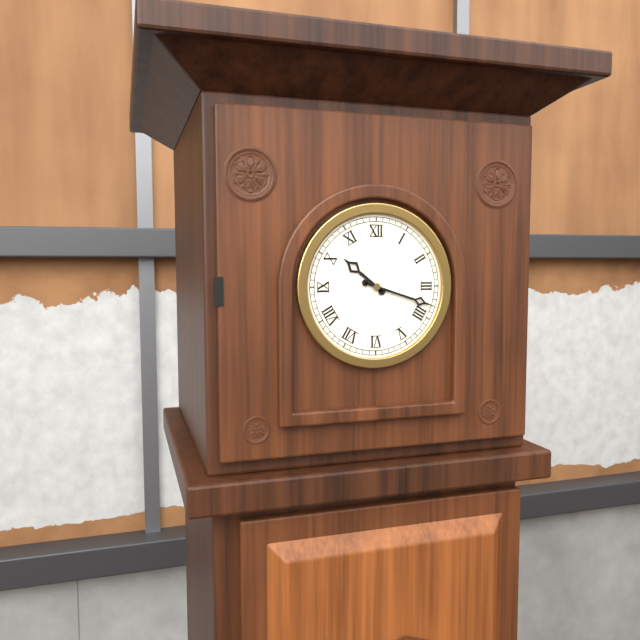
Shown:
h=10 m=18
